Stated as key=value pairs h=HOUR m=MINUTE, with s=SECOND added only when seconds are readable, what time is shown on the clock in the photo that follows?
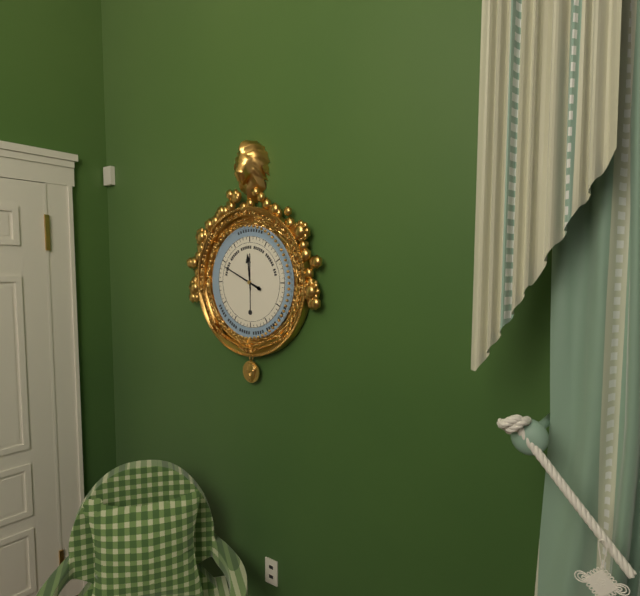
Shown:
h=11 m=49
